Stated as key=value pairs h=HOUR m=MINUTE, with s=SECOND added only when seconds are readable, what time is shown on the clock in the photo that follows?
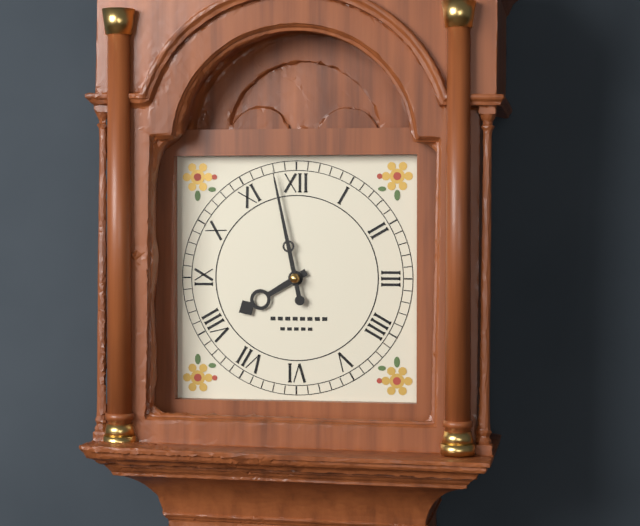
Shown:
h=7 m=58
